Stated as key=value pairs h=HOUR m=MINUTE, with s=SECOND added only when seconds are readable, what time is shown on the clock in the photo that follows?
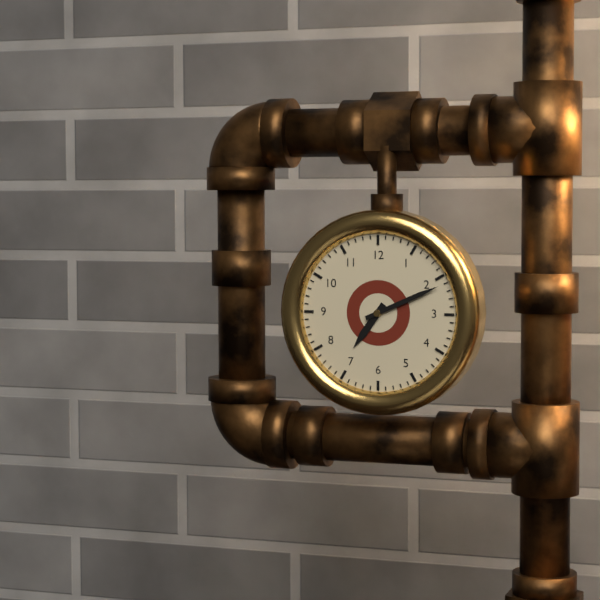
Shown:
h=7 m=11
